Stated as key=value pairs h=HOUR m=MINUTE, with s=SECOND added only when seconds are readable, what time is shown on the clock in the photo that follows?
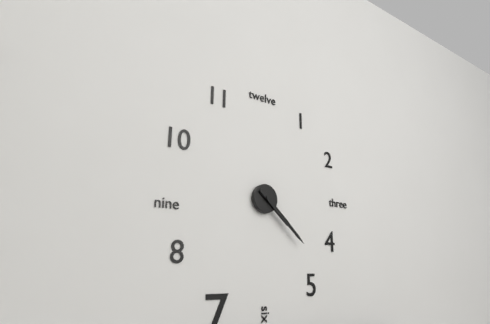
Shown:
h=4 m=22
